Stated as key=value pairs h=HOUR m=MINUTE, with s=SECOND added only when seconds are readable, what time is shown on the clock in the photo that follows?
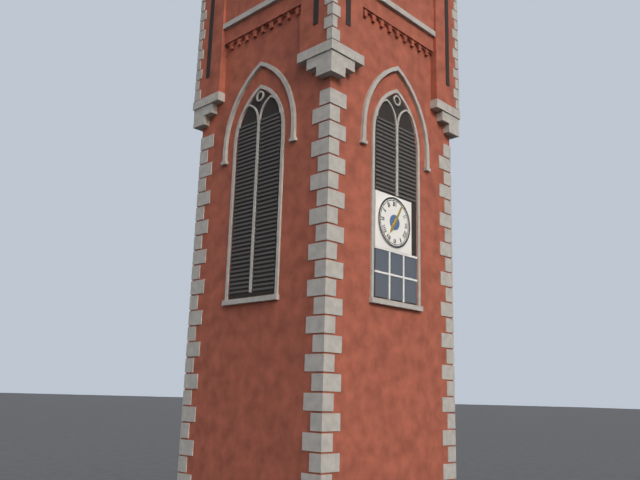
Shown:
h=7 m=5
